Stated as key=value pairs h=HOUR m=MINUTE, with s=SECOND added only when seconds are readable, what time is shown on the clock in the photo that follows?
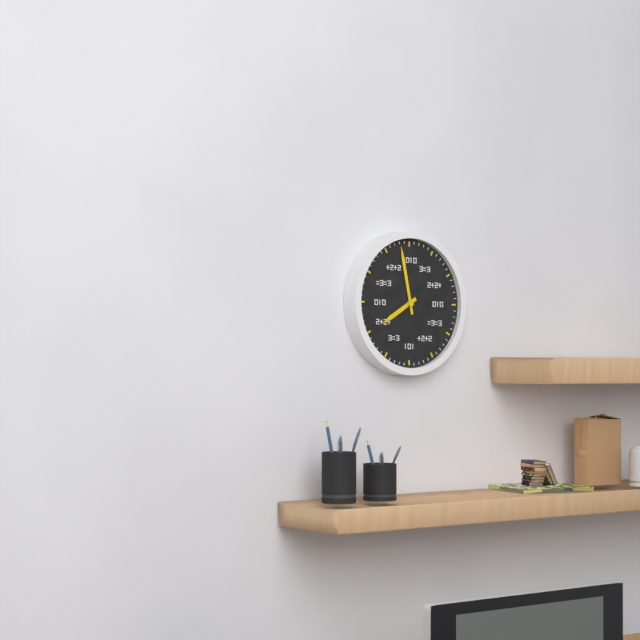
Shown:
h=7 m=58
